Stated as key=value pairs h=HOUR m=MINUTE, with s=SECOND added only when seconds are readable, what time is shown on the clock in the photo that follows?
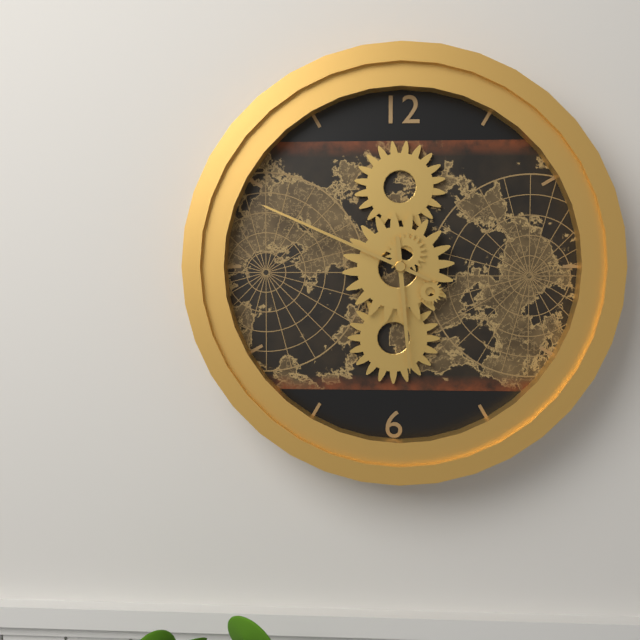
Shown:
h=5 m=49
